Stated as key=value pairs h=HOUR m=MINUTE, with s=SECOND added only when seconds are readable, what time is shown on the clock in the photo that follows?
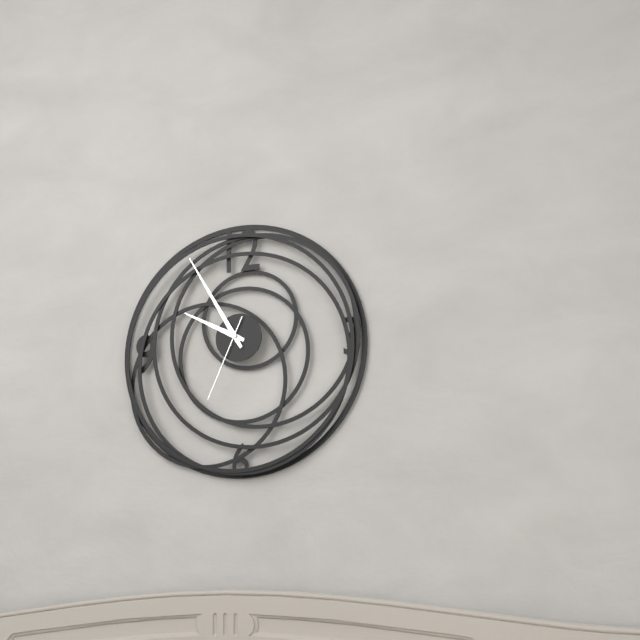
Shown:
h=9 m=55 s=34
